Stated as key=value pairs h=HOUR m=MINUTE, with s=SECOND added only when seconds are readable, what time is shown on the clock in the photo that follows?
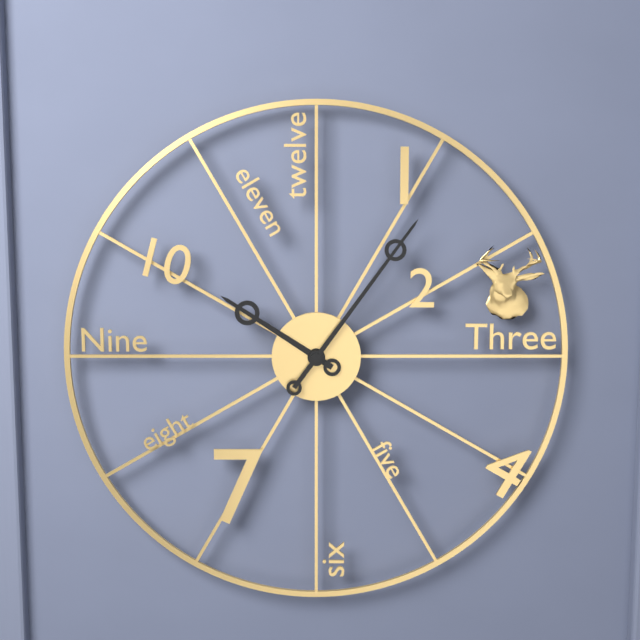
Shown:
h=10 m=6
